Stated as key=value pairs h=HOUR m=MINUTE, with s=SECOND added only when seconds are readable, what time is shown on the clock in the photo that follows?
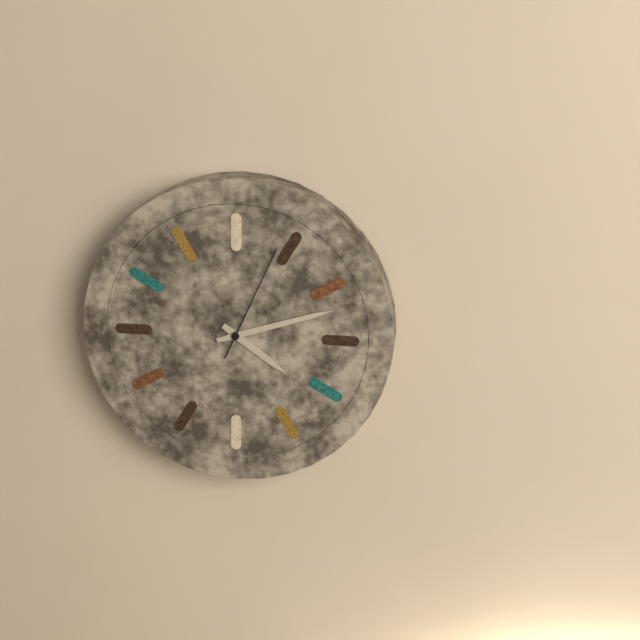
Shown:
h=4 m=12 s=4
